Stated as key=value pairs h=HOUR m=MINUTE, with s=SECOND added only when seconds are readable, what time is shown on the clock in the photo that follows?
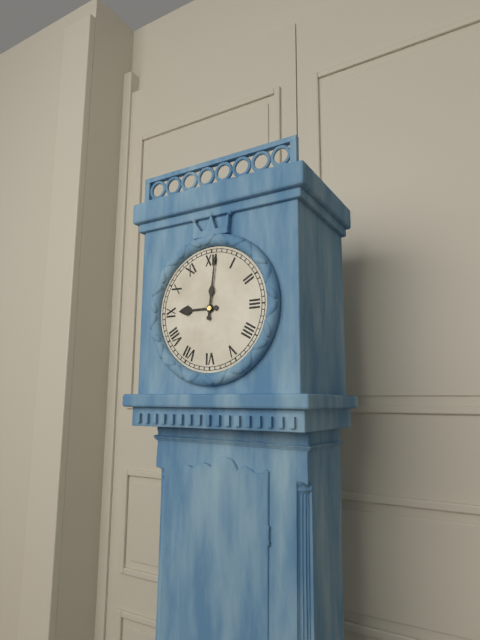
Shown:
h=9 m=1
